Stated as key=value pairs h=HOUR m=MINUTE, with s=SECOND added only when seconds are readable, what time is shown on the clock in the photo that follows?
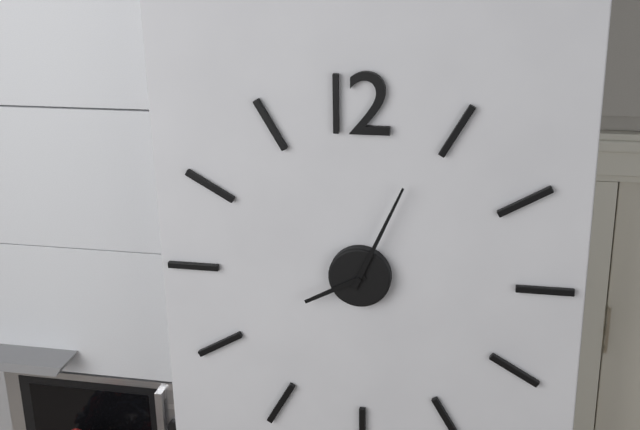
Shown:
h=8 m=4
